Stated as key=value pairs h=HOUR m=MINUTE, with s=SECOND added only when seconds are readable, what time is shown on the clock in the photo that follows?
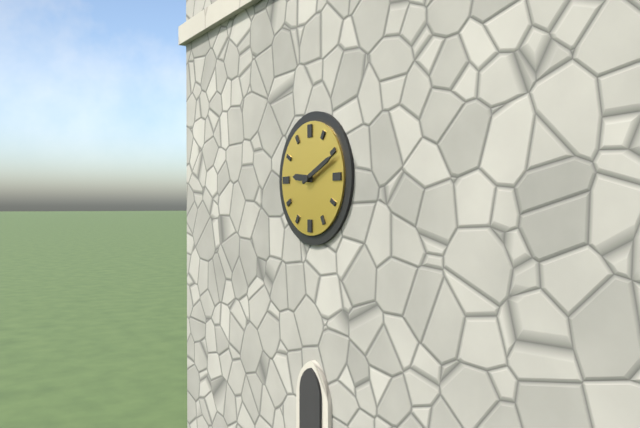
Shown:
h=9 m=11
